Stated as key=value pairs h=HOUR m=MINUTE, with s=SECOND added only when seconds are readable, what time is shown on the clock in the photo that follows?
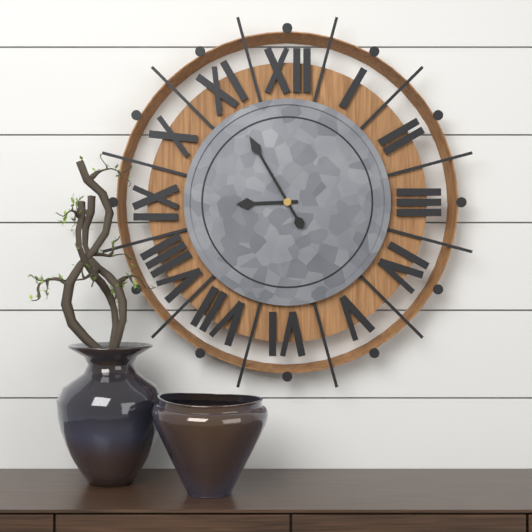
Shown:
h=8 m=55
